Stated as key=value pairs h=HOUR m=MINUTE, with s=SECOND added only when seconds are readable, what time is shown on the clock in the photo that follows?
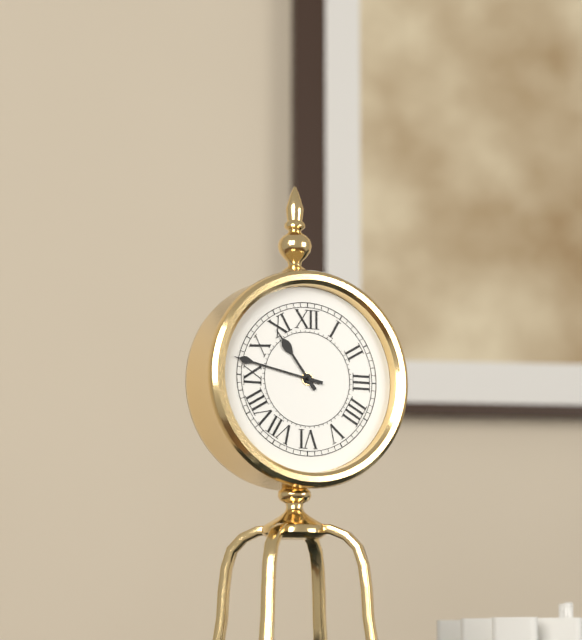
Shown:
h=10 m=47
